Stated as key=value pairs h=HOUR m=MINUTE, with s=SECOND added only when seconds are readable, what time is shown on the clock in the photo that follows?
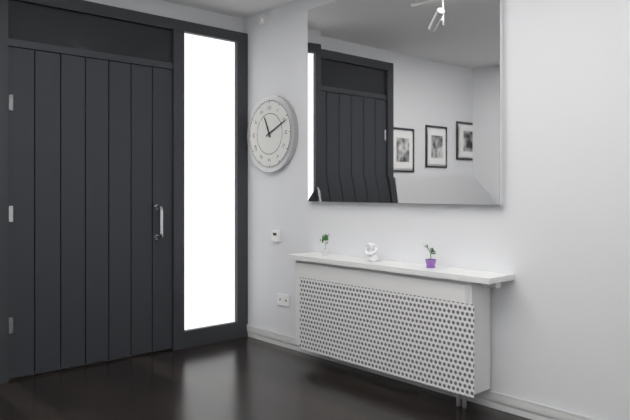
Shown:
h=11 m=11
